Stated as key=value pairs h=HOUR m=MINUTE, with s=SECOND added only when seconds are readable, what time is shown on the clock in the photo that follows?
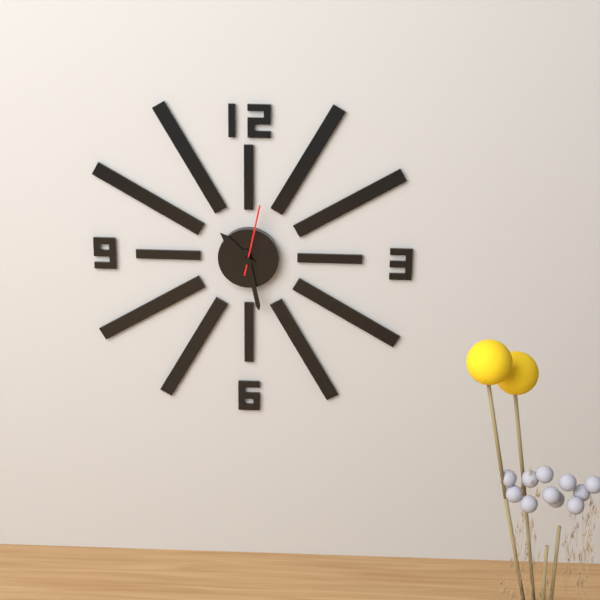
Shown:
h=10 m=28 s=2
